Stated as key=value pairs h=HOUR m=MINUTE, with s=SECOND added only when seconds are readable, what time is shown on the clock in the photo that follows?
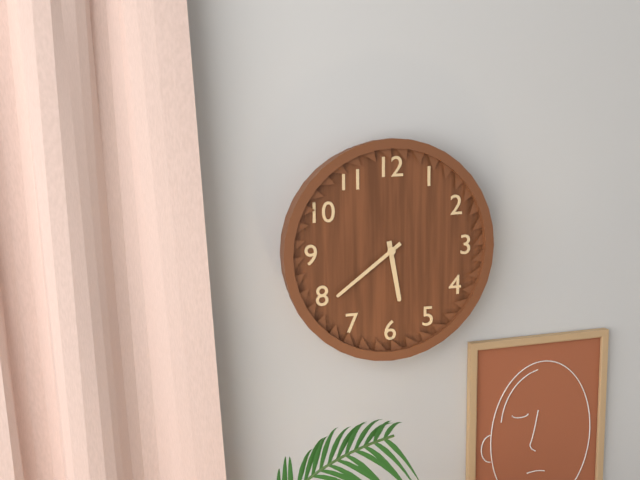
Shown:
h=5 m=39
